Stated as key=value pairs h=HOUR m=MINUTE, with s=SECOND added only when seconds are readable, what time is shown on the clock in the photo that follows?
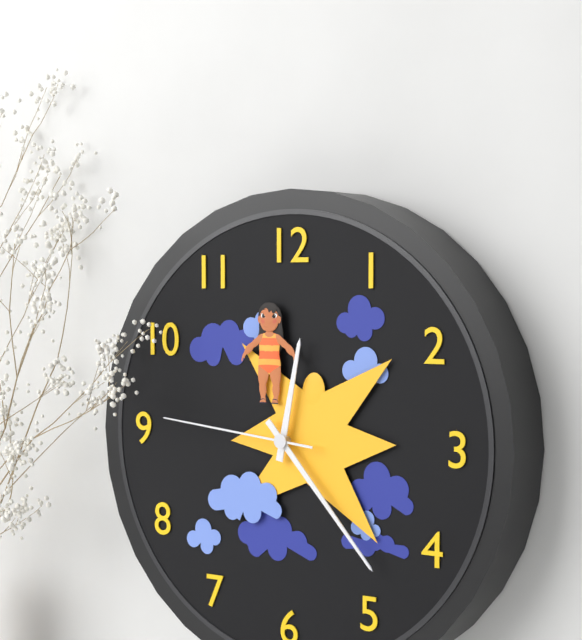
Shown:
h=12 m=23 s=46
